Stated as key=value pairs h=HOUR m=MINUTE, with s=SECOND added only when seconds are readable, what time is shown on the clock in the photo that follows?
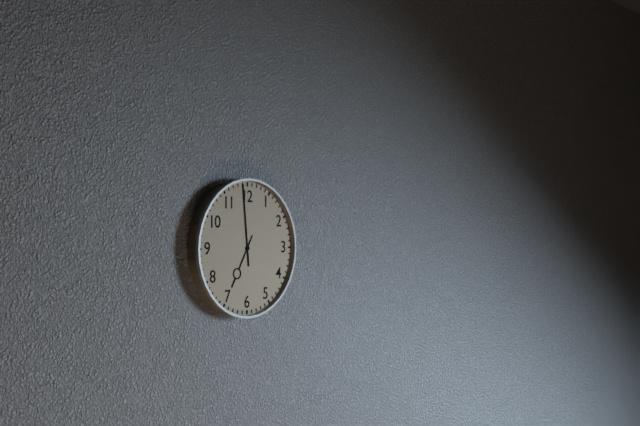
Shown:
h=6 m=59
